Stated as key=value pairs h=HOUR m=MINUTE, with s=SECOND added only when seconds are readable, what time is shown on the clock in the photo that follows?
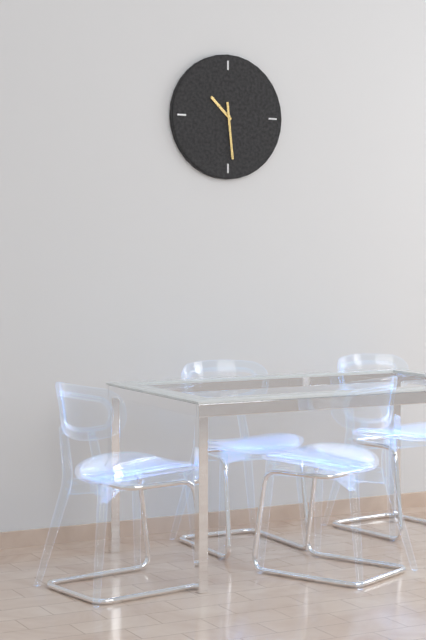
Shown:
h=10 m=29
